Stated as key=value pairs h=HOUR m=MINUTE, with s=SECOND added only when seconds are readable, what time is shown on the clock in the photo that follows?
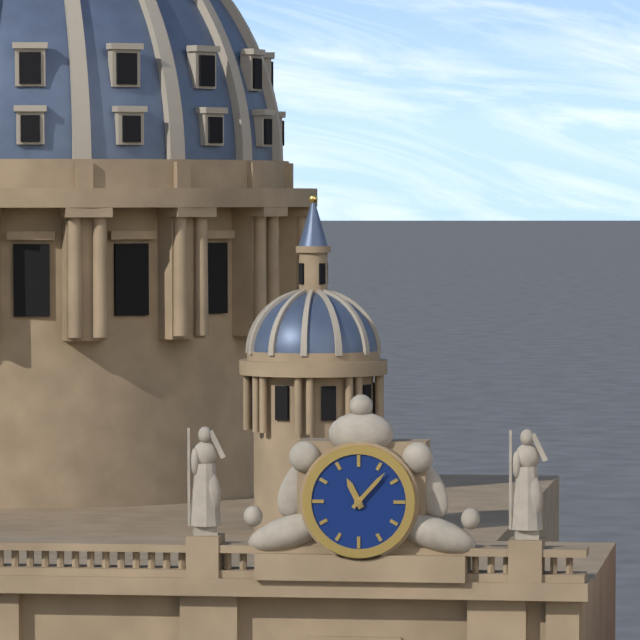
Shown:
h=11 m=7
